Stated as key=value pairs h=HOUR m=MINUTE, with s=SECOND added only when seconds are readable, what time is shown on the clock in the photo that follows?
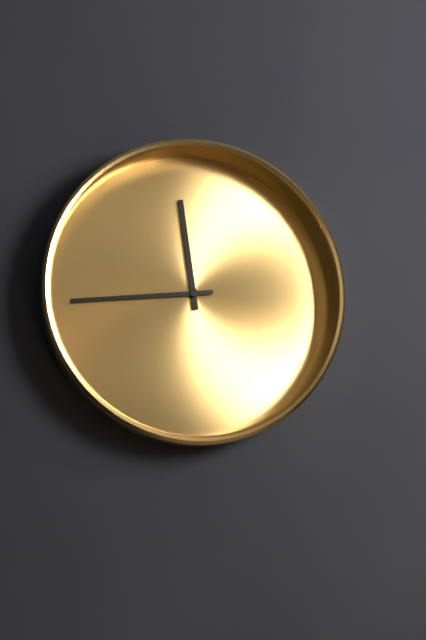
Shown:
h=11 m=44
